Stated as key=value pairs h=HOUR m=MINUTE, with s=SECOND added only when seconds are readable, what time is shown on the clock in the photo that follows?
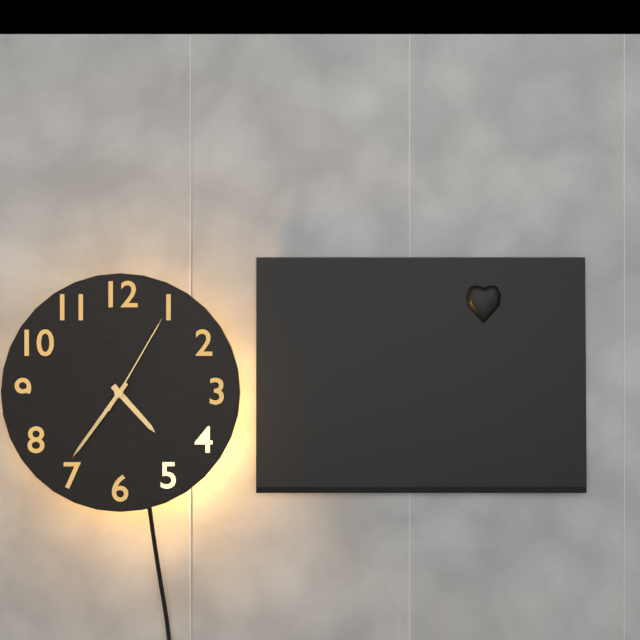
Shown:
h=4 m=36 s=5
